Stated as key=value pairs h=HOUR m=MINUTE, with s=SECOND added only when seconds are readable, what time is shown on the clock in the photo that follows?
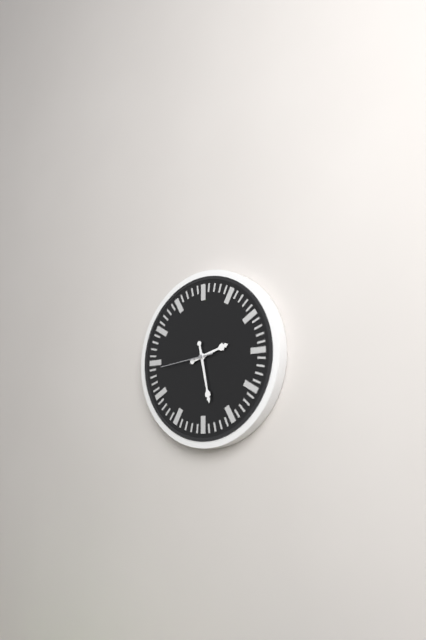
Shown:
h=2 m=28 s=44
